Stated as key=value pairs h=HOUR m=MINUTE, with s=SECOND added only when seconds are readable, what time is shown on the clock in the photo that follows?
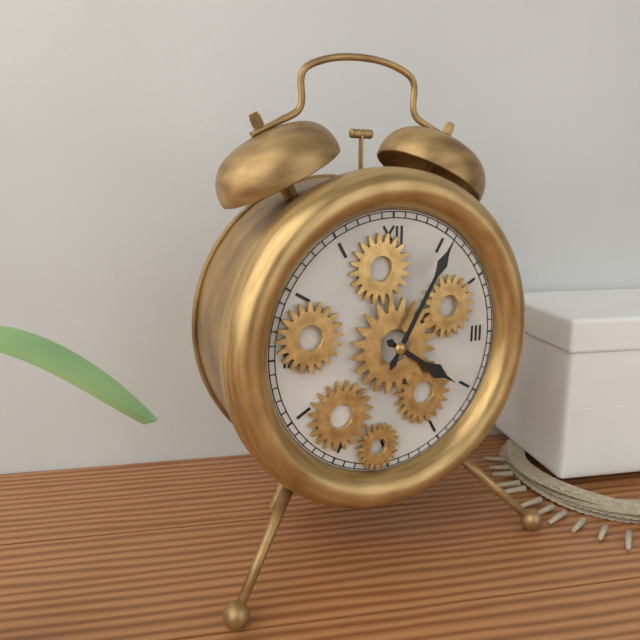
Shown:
h=4 m=5
